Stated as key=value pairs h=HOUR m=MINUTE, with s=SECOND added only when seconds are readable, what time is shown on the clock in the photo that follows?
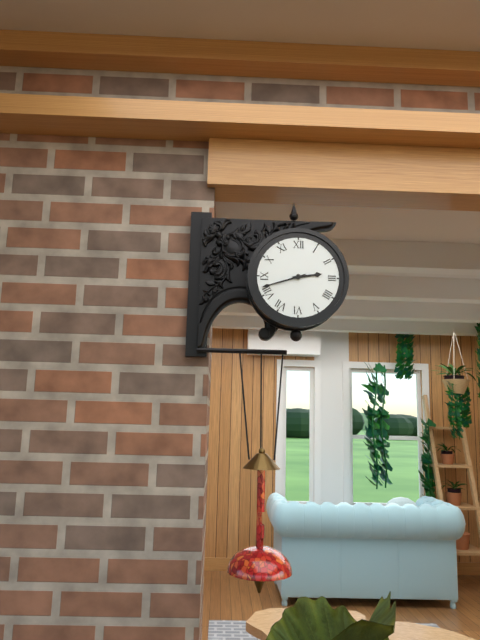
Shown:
h=2 m=42
